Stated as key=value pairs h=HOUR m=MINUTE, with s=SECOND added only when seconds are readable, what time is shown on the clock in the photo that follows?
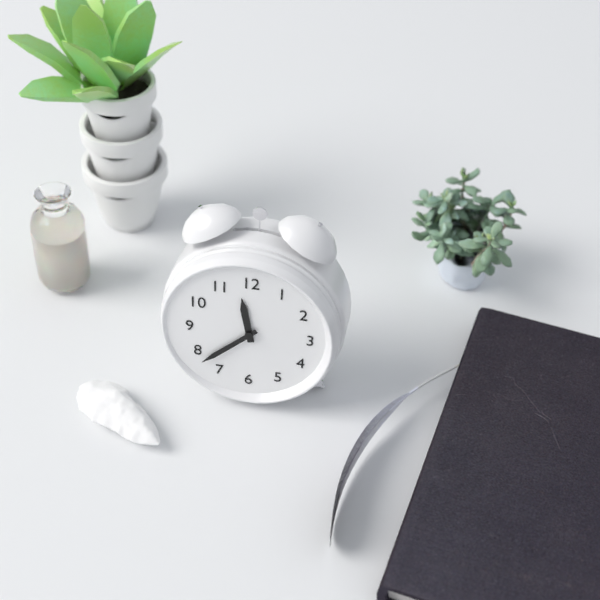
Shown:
h=11 m=38
